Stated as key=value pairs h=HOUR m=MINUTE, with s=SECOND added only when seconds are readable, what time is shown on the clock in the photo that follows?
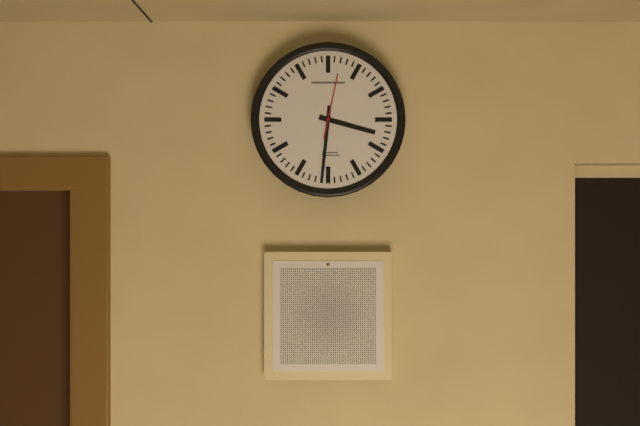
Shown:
h=3 m=31 s=2
